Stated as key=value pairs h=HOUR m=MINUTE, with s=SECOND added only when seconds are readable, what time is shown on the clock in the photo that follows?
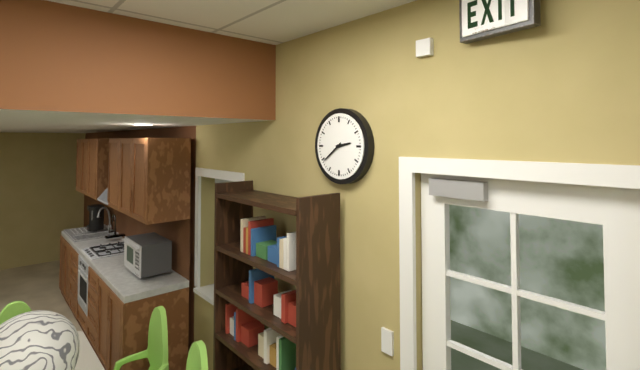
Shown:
h=2 m=39
